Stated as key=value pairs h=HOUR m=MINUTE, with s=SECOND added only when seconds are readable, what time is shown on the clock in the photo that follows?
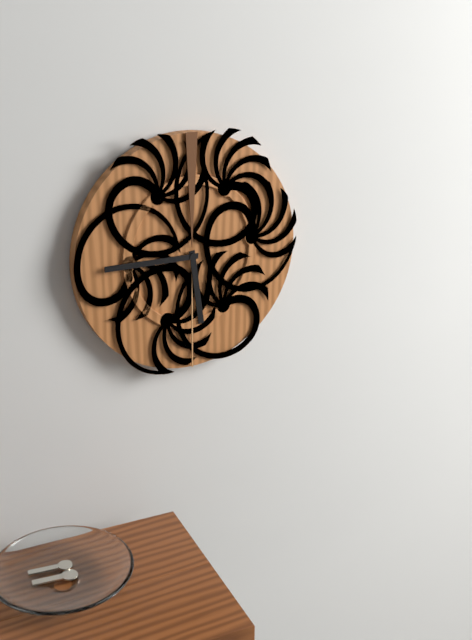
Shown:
h=5 m=45
